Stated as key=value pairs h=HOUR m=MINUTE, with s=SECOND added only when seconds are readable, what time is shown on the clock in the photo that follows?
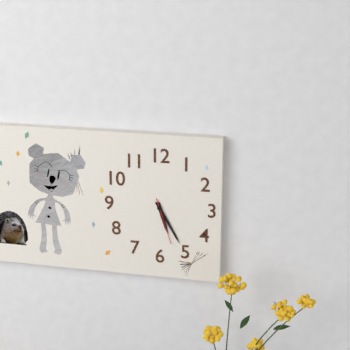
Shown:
h=5 m=25
